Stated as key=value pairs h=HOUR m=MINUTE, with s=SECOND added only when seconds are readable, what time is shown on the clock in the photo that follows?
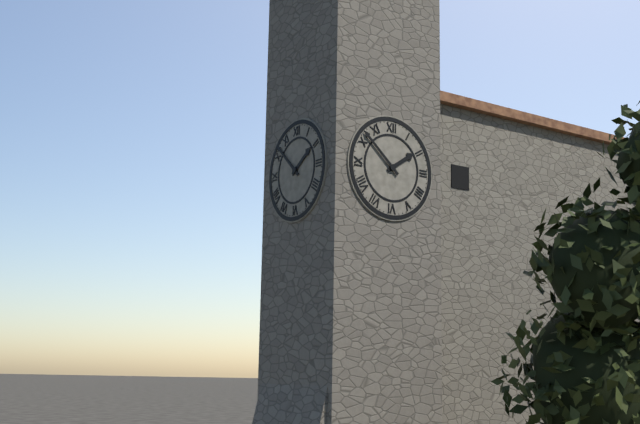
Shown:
h=1 m=52
